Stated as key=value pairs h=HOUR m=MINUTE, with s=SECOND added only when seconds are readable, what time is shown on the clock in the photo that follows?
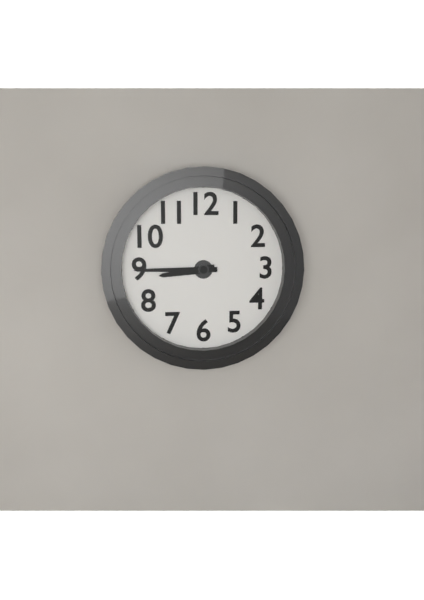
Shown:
h=8 m=45
